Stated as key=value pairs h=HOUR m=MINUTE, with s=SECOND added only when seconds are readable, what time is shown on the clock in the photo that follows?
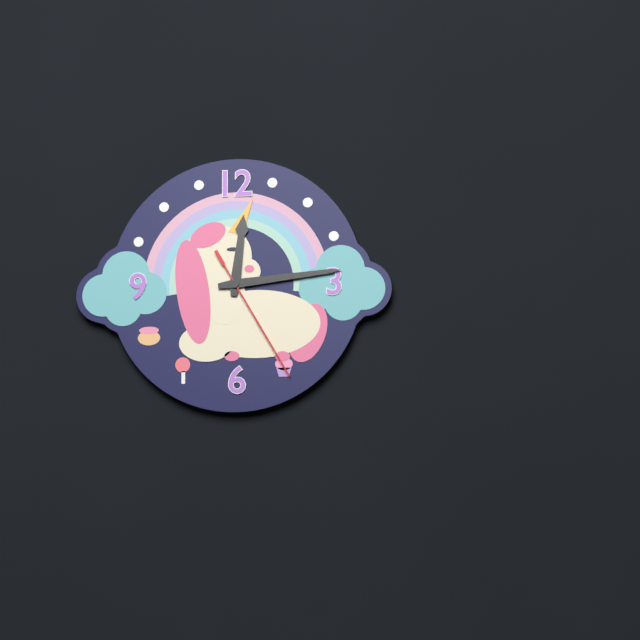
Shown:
h=12 m=14 s=25
